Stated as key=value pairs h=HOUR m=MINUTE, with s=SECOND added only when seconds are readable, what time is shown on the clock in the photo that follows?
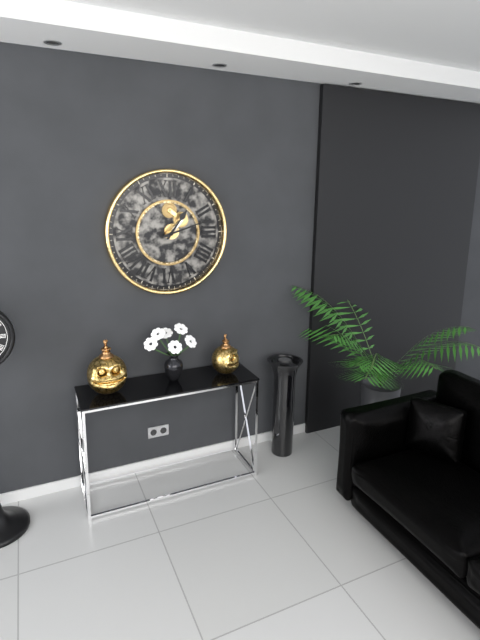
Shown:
h=1 m=12
